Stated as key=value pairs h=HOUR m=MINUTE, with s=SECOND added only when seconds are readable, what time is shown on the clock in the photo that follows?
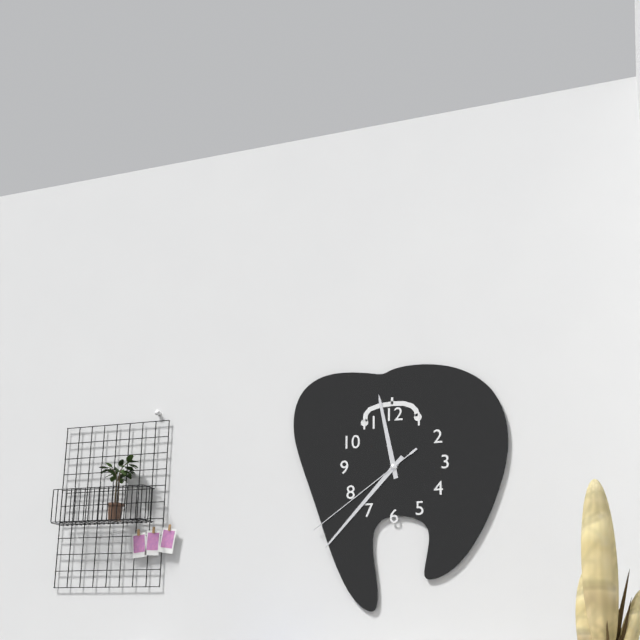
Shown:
h=11 m=37 s=39
